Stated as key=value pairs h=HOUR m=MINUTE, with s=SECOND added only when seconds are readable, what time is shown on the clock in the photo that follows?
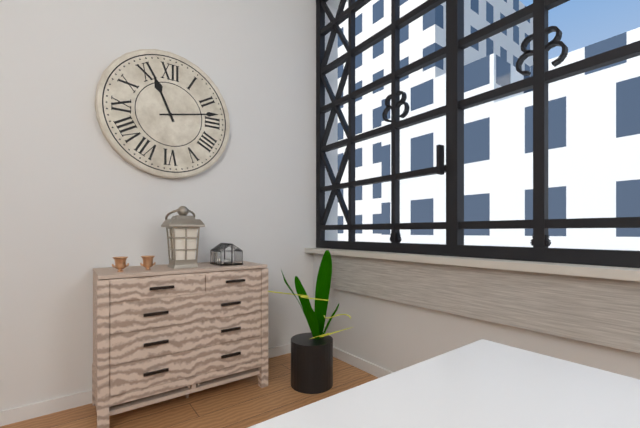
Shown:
h=11 m=13
